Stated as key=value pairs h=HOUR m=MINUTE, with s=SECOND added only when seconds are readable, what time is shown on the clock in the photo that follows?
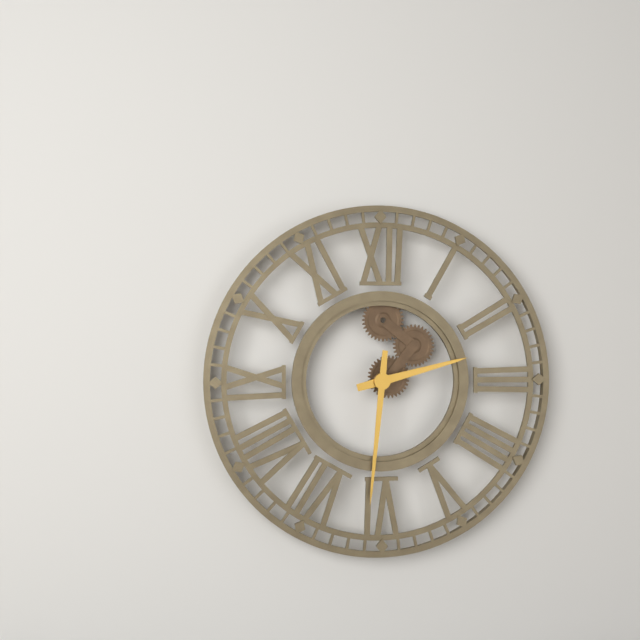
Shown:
h=2 m=31
